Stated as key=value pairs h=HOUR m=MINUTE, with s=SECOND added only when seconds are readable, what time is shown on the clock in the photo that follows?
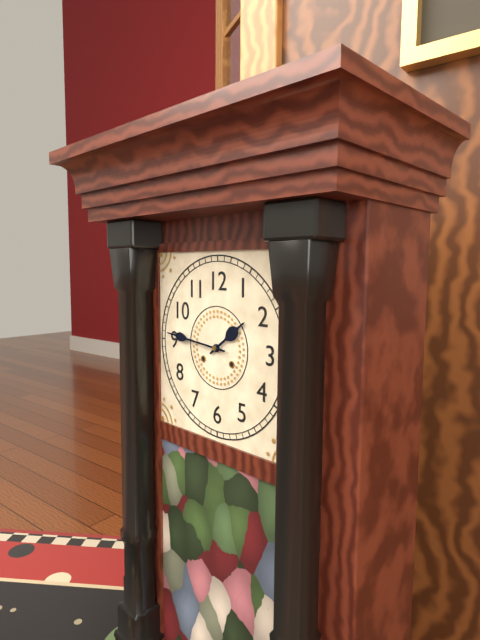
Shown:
h=1 m=46
